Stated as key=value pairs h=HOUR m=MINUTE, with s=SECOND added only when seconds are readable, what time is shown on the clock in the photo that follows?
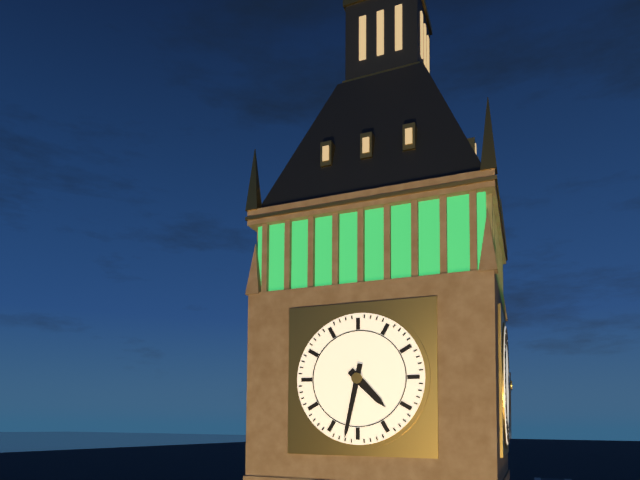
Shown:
h=4 m=32
